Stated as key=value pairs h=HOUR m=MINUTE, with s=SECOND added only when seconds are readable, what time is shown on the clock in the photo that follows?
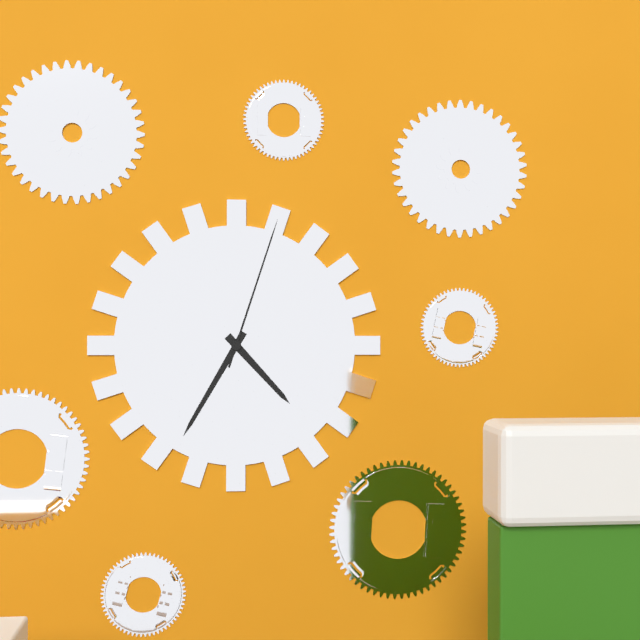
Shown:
h=4 m=35 s=3
